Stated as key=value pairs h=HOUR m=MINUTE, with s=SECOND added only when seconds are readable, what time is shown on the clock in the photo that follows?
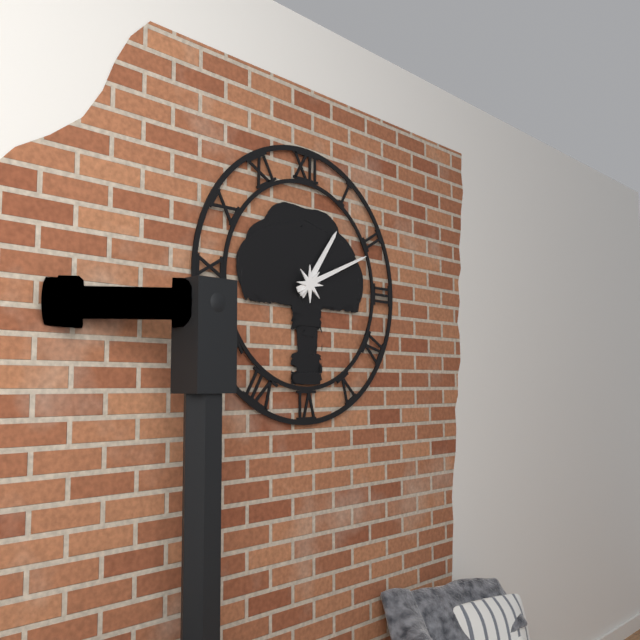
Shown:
h=1 m=11
